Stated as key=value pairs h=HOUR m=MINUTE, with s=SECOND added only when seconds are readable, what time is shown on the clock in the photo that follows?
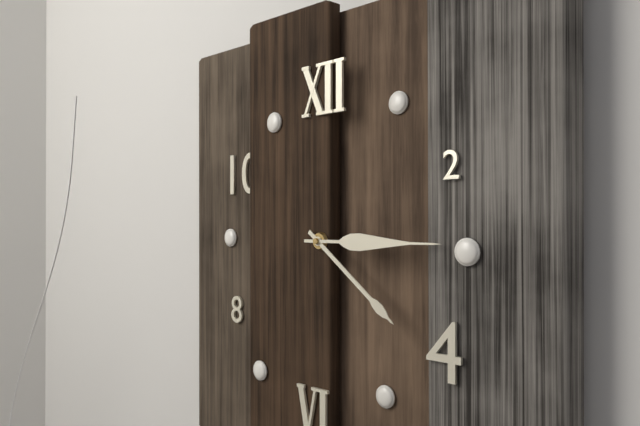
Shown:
h=4 m=15
